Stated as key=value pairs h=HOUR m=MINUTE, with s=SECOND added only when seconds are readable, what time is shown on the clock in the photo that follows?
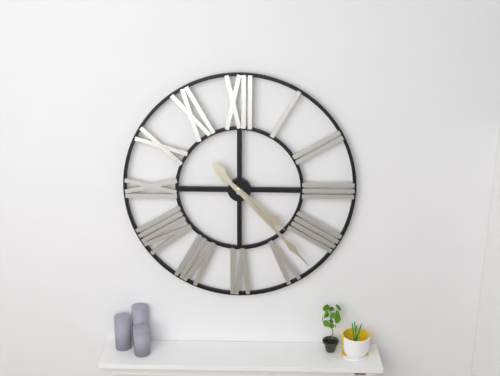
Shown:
h=4 m=23
